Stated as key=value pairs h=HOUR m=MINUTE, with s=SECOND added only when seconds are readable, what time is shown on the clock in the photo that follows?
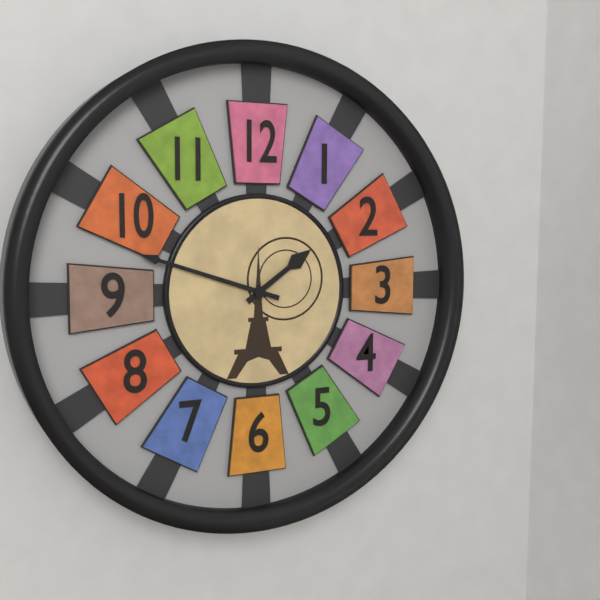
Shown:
h=1 m=48
